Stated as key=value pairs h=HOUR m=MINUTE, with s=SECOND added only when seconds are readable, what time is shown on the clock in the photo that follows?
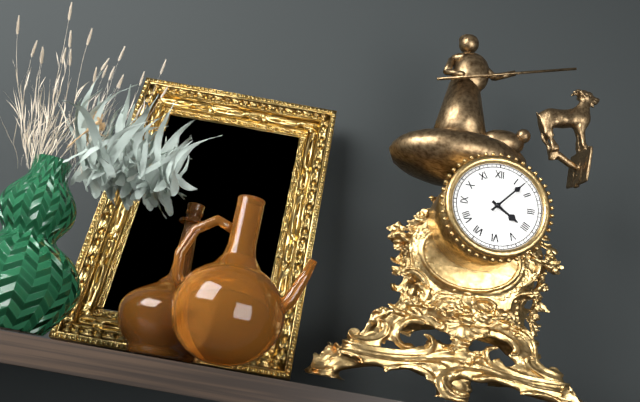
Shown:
h=4 m=7
